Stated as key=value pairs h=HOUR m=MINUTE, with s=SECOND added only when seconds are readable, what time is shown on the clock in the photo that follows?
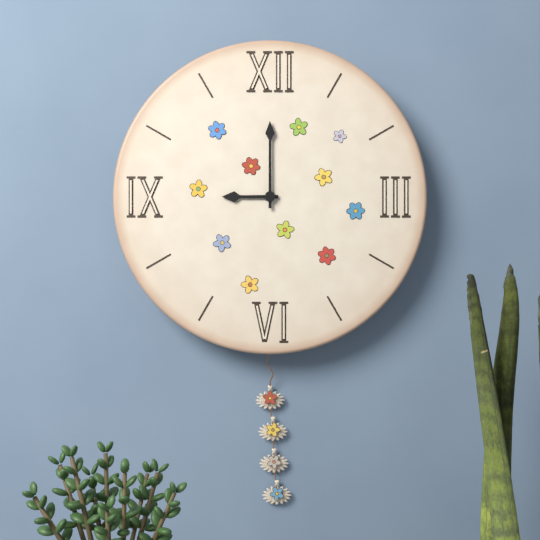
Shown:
h=9 m=0
